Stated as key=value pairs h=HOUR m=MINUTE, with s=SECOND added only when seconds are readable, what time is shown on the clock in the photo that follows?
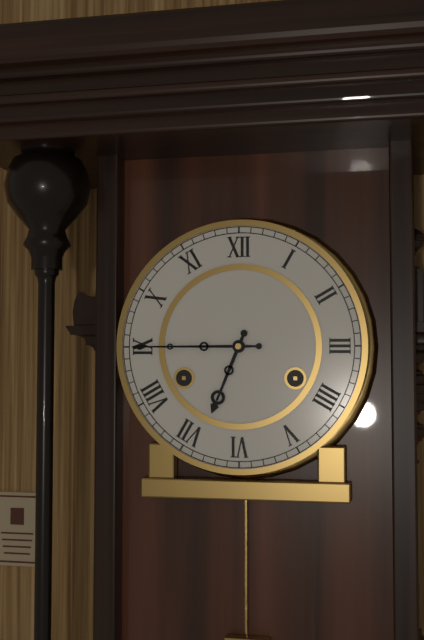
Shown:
h=6 m=45
